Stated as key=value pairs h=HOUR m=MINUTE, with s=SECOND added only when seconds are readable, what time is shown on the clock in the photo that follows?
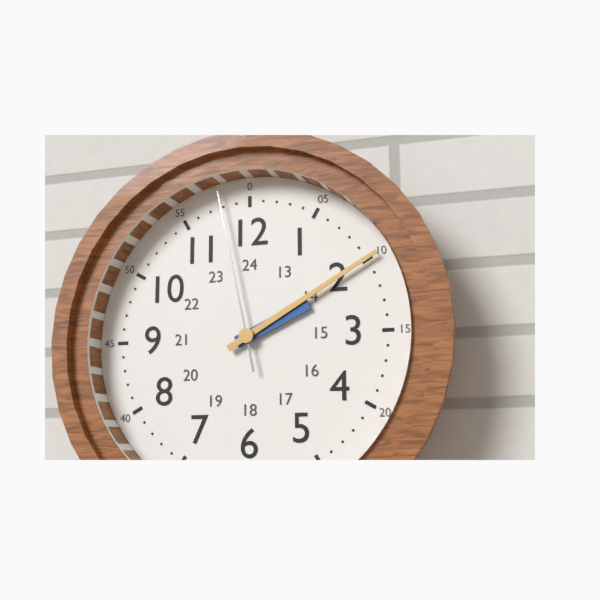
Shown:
h=2 m=10 s=58
